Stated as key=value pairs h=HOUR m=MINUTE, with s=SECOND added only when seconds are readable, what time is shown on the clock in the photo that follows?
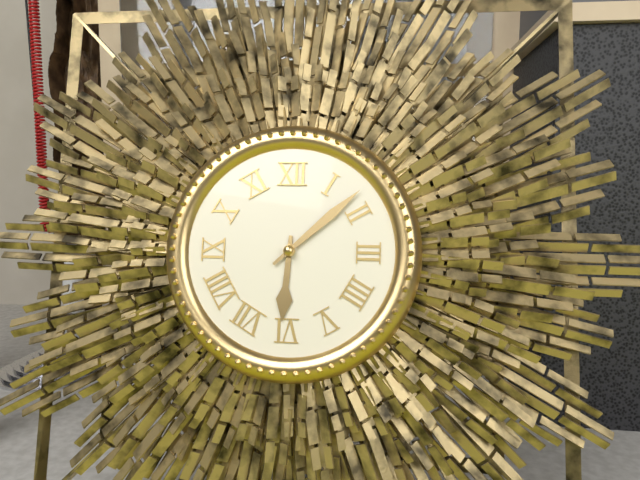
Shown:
h=6 m=8
